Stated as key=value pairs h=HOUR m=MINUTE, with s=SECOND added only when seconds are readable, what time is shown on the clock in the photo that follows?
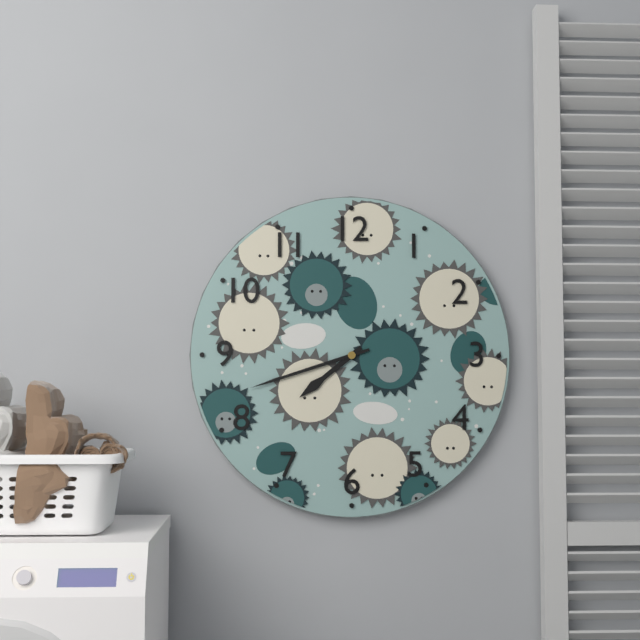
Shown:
h=7 m=42
